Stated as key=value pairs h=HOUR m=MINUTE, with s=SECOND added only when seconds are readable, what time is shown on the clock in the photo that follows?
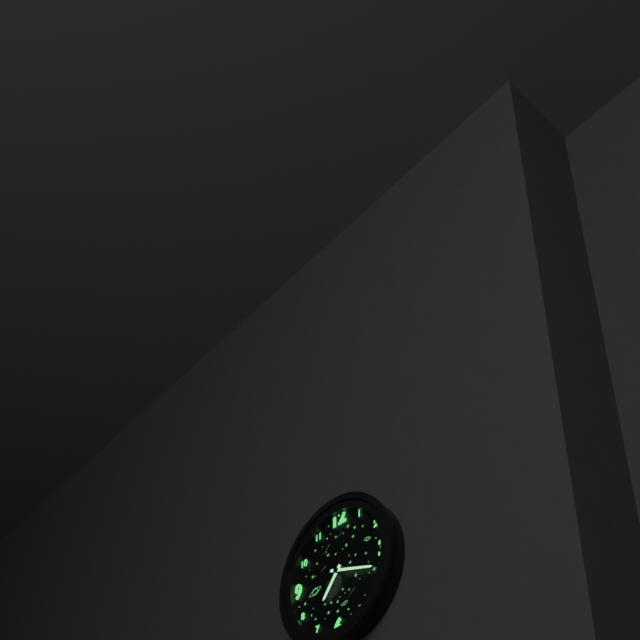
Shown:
h=7 m=18
